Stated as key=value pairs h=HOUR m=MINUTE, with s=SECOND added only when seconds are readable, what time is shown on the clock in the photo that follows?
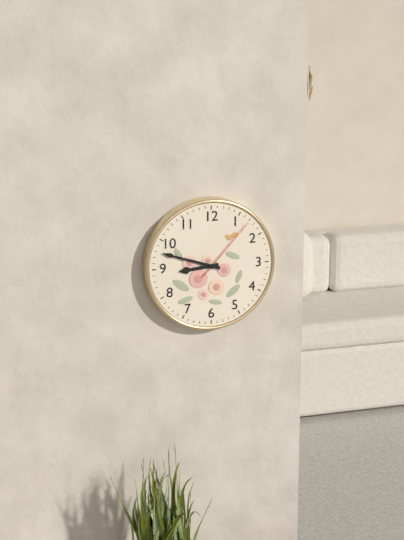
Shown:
h=8 m=48 s=7
